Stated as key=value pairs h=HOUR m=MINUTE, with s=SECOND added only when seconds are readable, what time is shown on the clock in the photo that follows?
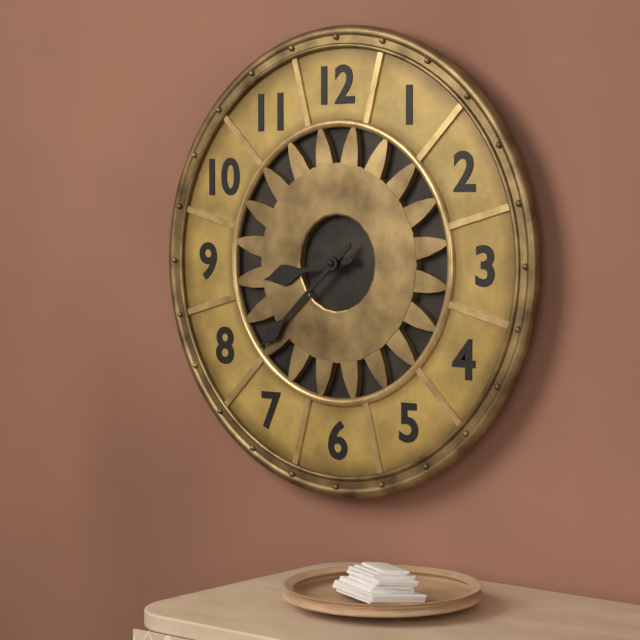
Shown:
h=8 m=38
